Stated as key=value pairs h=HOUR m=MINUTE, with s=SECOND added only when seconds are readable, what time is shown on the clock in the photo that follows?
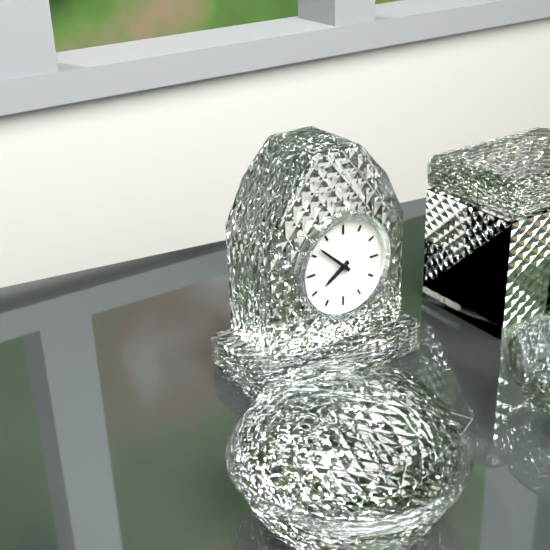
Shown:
h=7 m=52
